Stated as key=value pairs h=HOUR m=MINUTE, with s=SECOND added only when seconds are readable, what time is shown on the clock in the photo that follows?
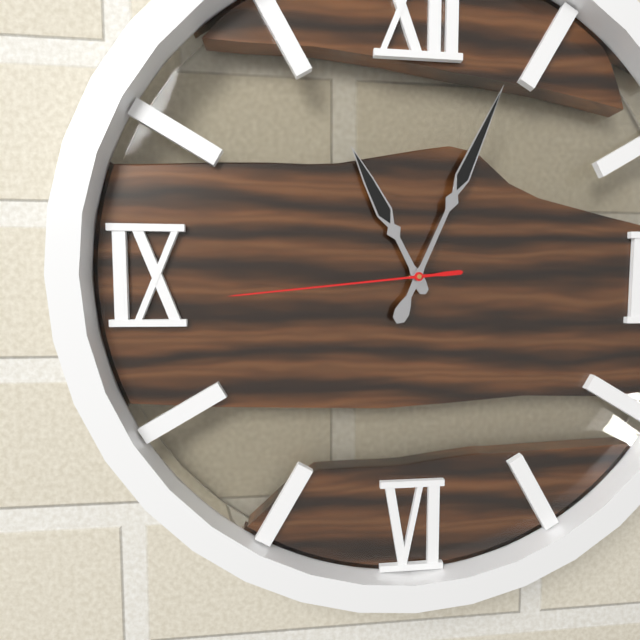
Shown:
h=11 m=4 s=44
